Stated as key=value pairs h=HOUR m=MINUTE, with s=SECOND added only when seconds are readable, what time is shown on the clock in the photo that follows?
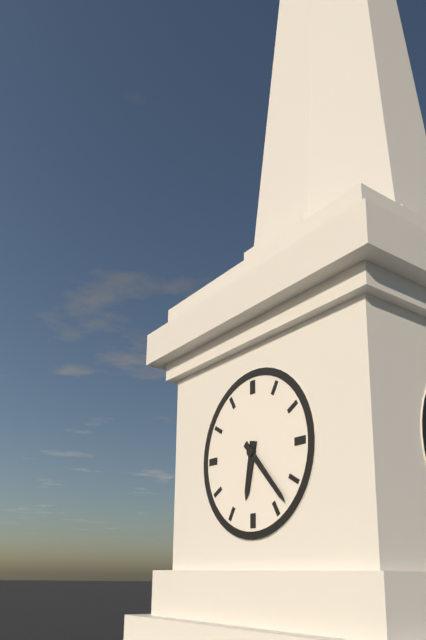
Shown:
h=6 m=23
